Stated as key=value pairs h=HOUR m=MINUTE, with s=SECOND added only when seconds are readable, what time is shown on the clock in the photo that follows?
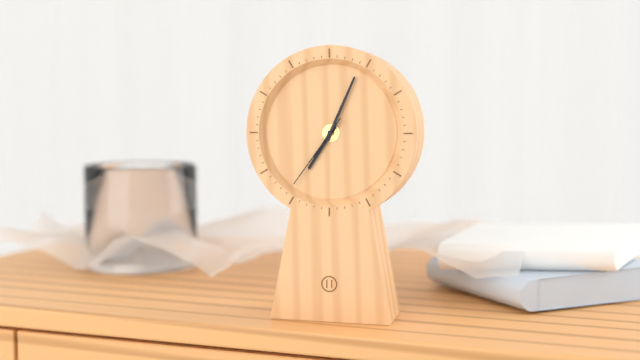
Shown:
h=7 m=4 s=36
